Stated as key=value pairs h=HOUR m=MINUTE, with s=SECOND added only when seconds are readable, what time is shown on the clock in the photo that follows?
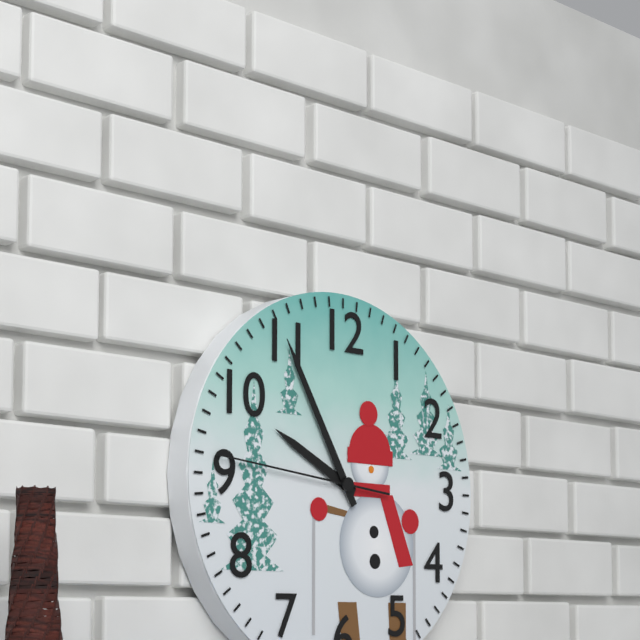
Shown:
h=9 m=55 s=46
